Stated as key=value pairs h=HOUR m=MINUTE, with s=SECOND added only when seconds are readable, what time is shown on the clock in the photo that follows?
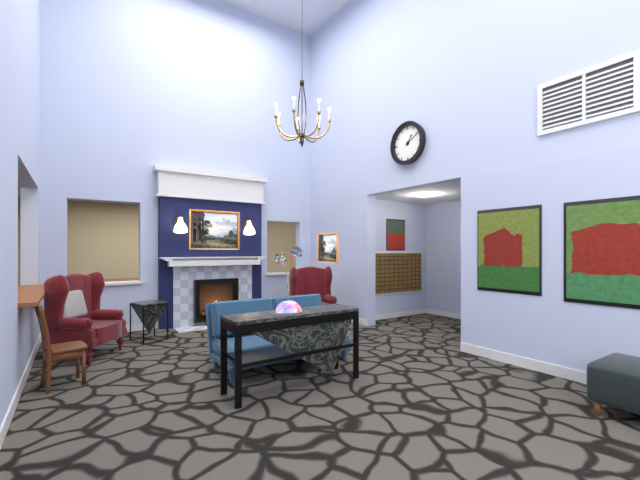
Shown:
h=1 m=10
